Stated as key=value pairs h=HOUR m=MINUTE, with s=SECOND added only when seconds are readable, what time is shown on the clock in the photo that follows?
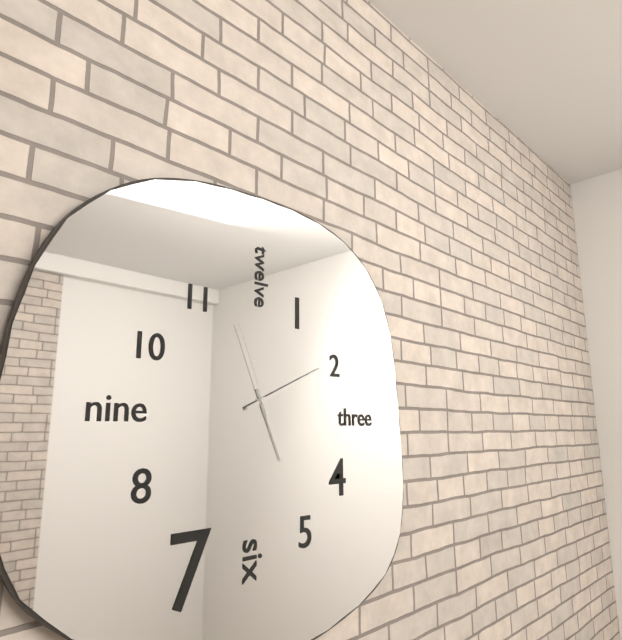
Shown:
h=5 m=11 s=56
